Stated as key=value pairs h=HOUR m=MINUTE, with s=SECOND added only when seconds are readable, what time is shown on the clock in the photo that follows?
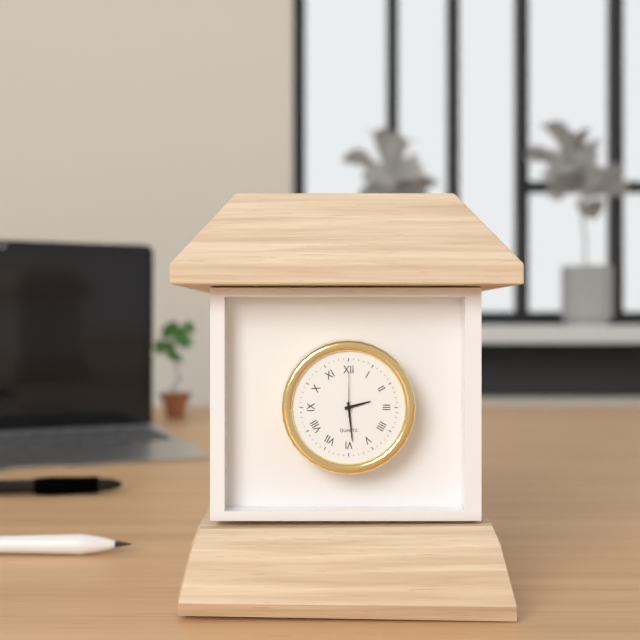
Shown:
h=2 m=29
